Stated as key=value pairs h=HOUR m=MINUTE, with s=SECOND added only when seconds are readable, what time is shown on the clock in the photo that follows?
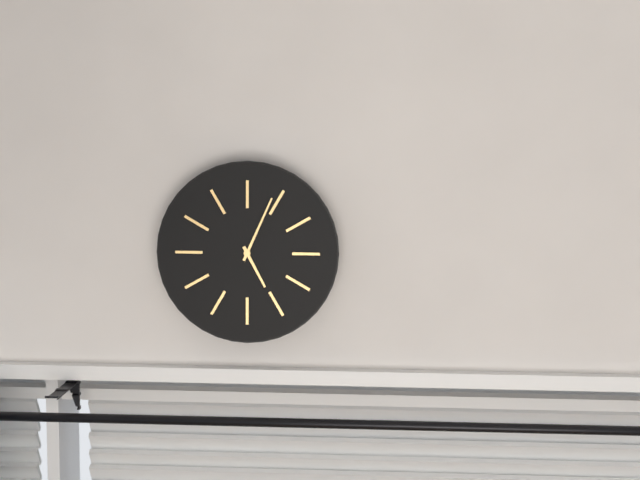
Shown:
h=5 m=4
